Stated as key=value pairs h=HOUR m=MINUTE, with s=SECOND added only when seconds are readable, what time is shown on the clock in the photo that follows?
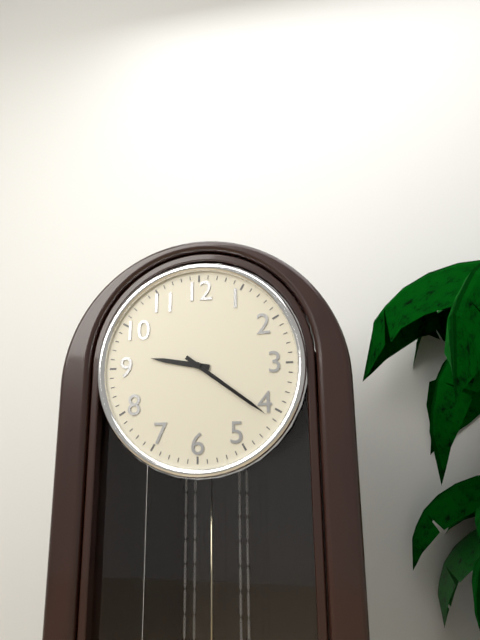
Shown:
h=9 m=21
